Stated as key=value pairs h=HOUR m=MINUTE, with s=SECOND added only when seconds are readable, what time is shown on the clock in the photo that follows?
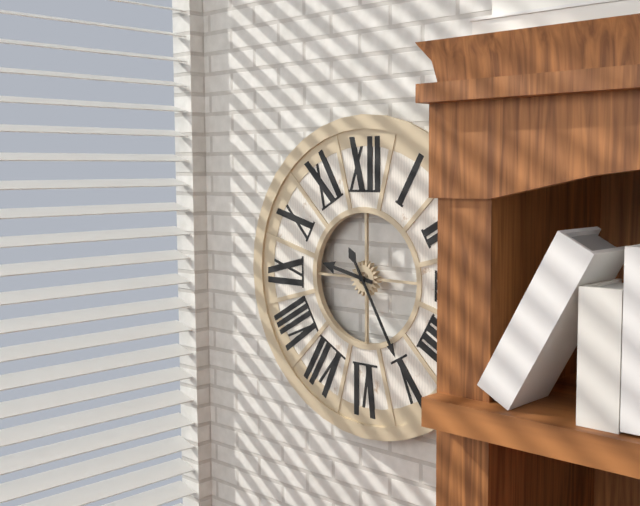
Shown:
h=9 m=25
